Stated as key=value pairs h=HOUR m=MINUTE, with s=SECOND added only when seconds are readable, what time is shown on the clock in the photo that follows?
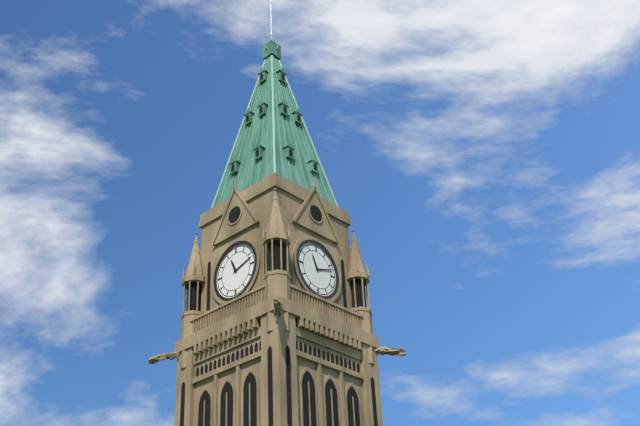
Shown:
h=11 m=12
